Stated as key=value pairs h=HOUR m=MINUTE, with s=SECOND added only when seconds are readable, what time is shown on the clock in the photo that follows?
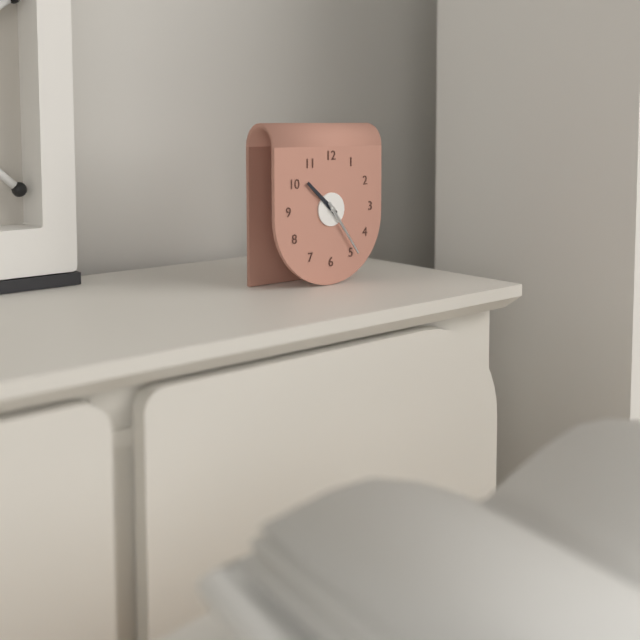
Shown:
h=10 m=24
